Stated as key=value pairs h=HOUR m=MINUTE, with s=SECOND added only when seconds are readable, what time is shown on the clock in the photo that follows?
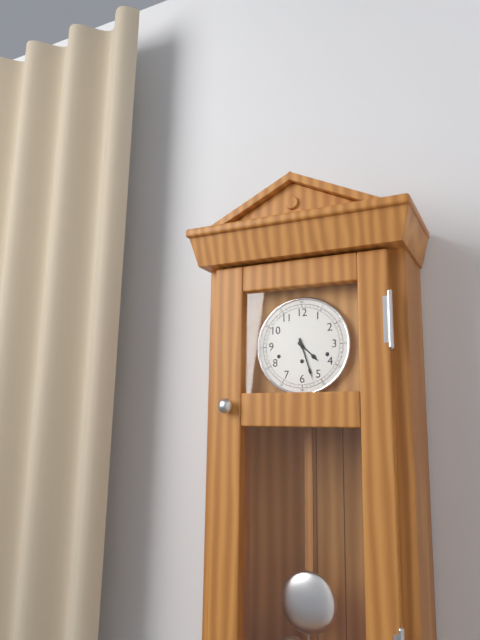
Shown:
h=4 m=27
